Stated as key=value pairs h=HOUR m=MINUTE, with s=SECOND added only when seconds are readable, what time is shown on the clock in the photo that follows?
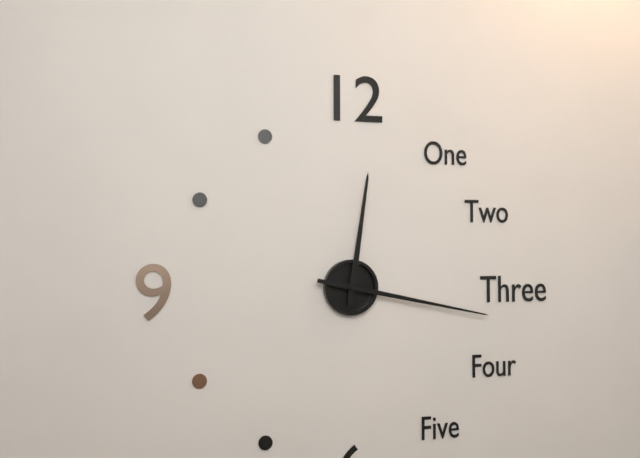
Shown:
h=12 m=17
